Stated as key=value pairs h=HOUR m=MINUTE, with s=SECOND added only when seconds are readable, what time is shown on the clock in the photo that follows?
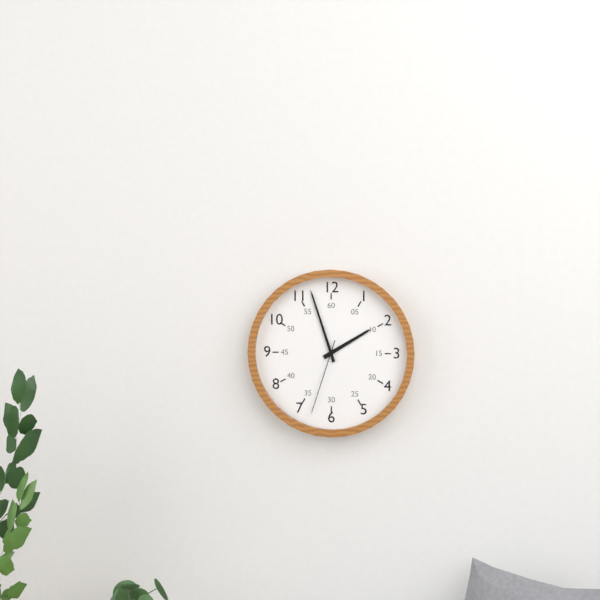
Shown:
h=1 m=57 s=33
